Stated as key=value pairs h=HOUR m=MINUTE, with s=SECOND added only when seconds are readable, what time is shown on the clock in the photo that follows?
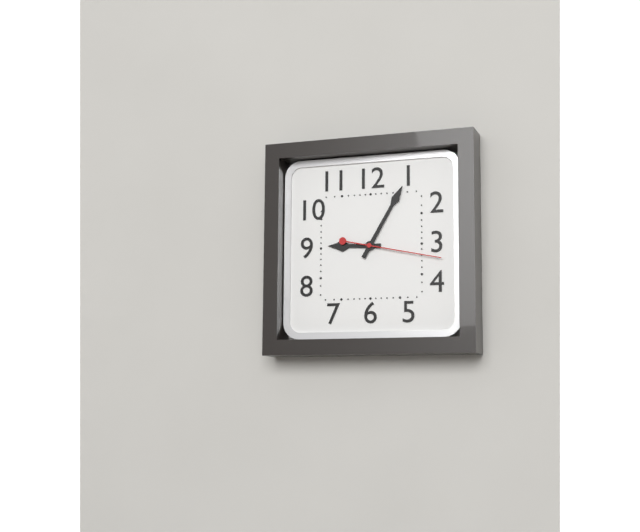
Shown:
h=9 m=5 s=17
